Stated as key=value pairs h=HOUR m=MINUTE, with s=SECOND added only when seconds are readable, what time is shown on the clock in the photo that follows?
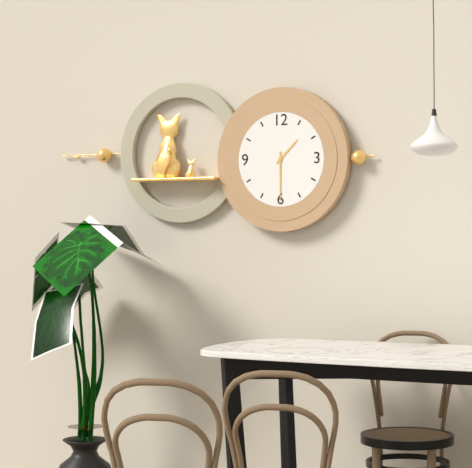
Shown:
h=1 m=30
